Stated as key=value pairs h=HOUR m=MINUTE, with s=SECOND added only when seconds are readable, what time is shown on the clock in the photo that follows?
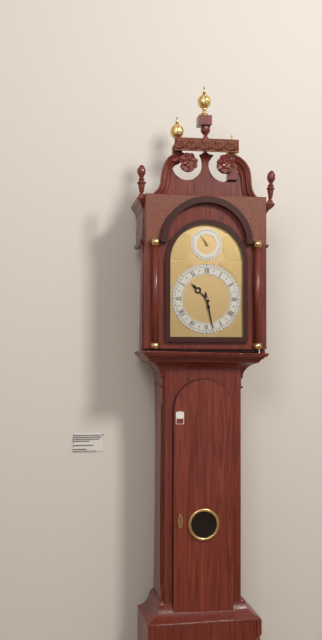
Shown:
h=10 m=28
